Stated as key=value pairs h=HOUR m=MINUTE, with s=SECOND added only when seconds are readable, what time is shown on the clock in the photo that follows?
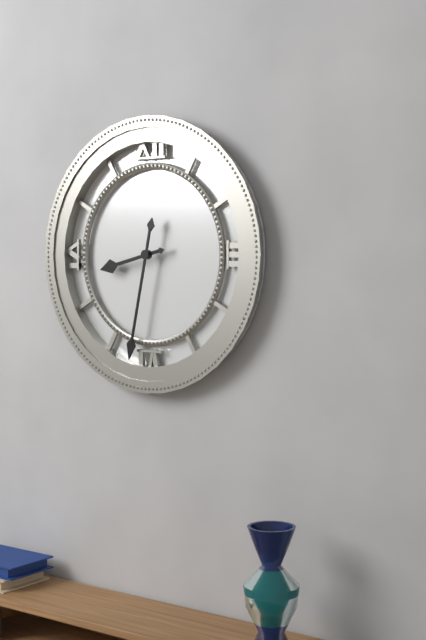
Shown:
h=8 m=32
